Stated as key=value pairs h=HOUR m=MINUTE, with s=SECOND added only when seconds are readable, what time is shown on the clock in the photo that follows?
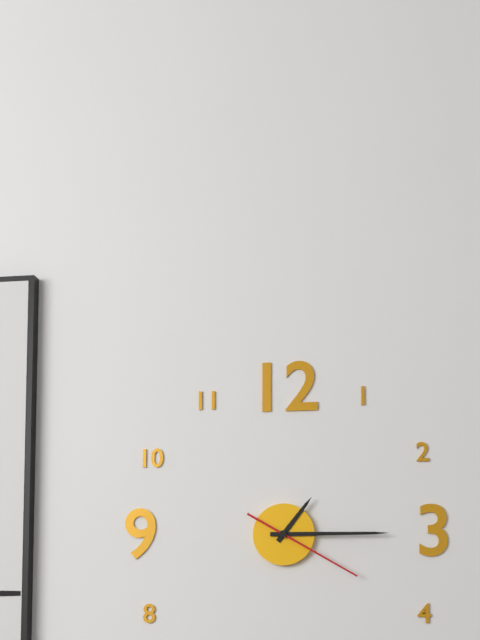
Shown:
h=1 m=15 s=20
